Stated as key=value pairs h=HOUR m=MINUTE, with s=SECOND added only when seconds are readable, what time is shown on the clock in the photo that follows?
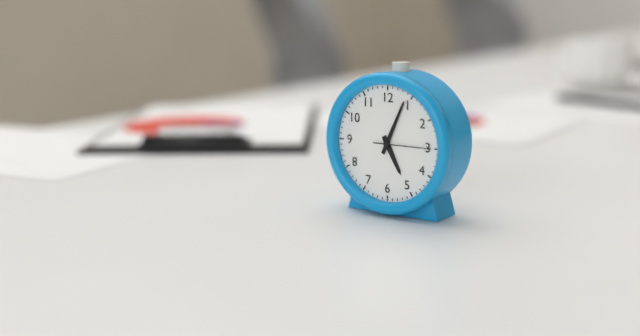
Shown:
h=5 m=4 s=15
